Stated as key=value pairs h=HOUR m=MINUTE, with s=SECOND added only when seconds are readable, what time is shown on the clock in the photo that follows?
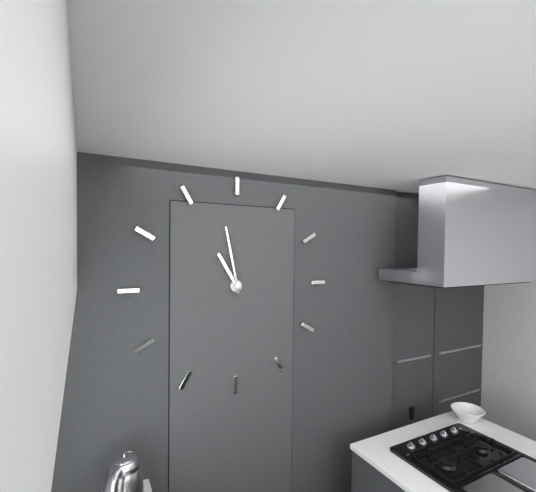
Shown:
h=10 m=58
